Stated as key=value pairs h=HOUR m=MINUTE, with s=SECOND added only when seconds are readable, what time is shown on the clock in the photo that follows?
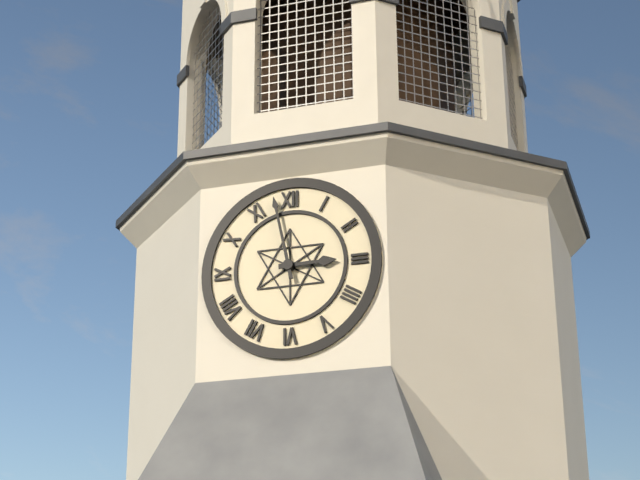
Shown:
h=2 m=58
